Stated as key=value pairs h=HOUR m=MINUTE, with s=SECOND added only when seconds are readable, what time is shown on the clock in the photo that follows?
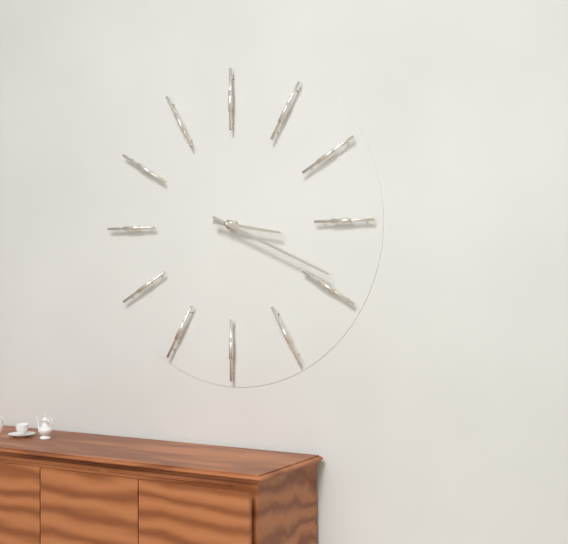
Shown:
h=3 m=19
